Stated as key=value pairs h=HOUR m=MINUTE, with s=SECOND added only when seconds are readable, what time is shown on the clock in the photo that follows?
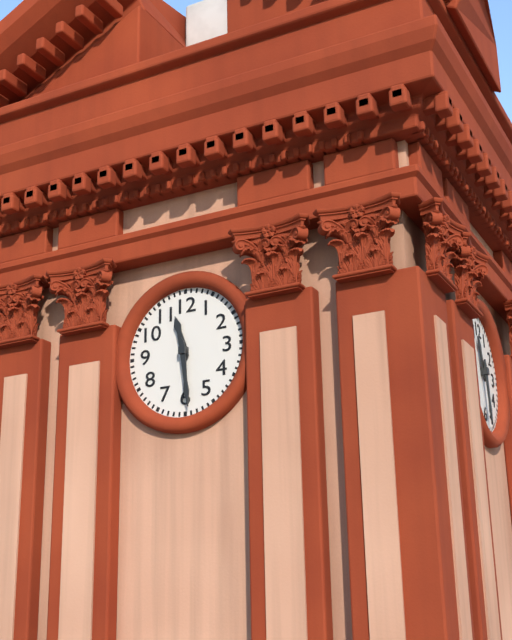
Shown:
h=11 m=29
